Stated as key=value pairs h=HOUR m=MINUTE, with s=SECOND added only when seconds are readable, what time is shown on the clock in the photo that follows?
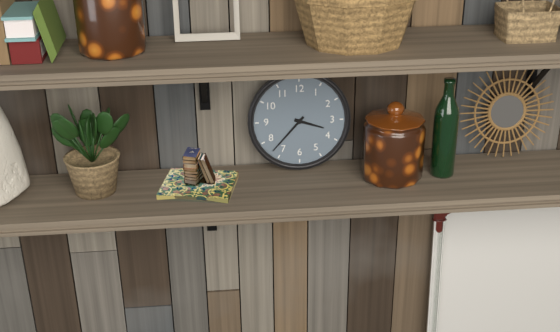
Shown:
h=3 m=37
